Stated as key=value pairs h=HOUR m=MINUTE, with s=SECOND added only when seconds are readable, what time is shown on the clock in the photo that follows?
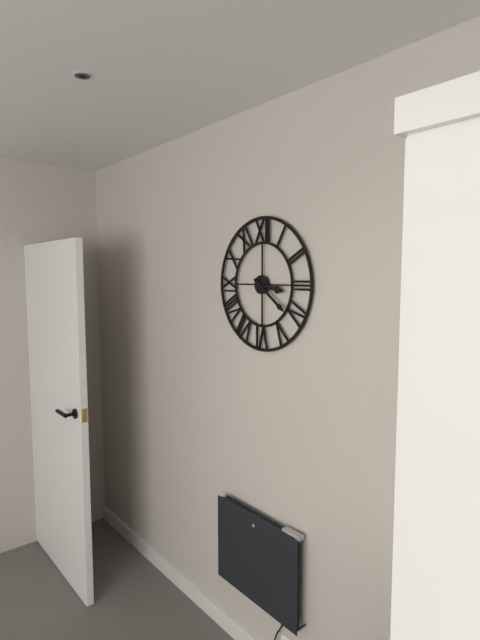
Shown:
h=3 m=21
